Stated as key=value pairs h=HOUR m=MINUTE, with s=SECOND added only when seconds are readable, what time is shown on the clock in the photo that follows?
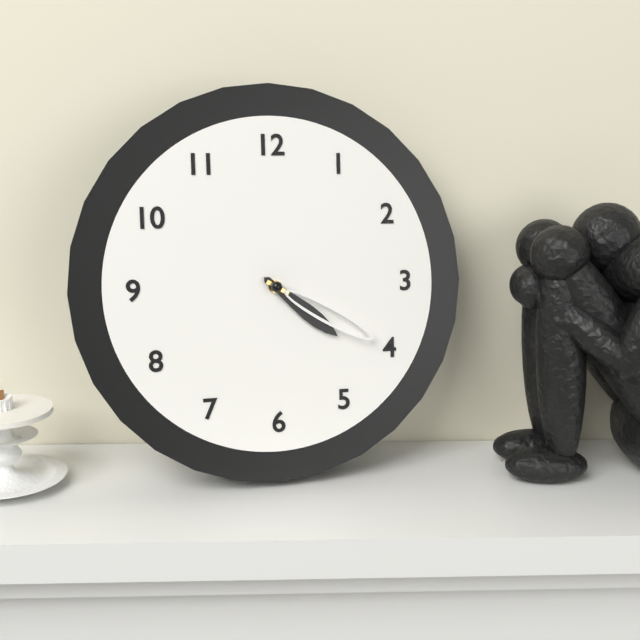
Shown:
h=4 m=20
